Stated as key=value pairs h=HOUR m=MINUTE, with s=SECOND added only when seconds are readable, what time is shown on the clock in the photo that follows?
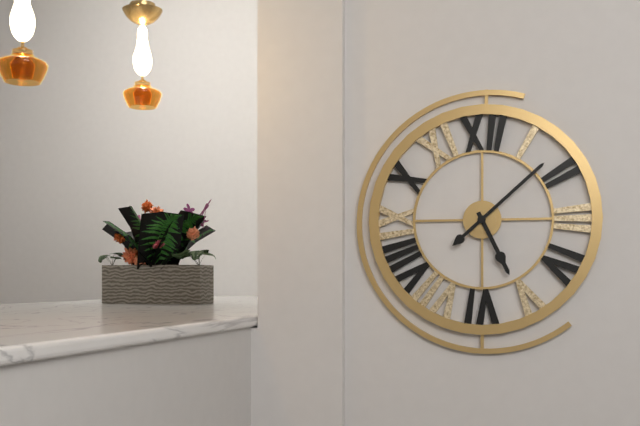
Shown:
h=5 m=8
